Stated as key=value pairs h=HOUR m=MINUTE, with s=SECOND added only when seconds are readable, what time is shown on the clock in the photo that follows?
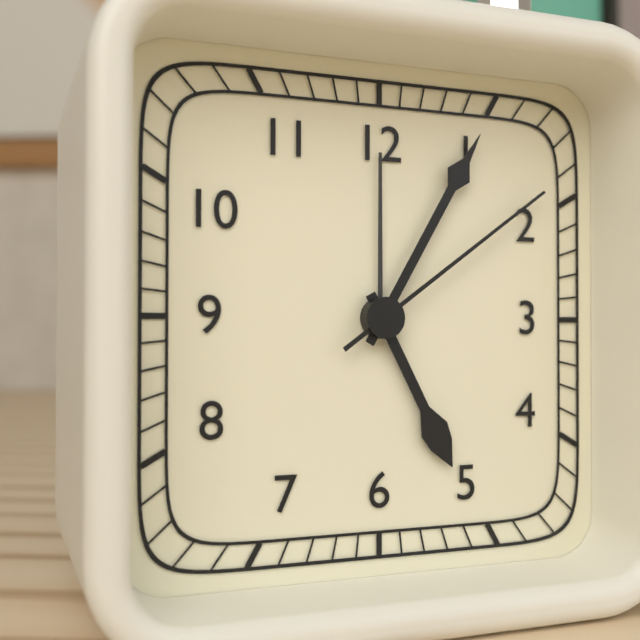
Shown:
h=5 m=5 s=9
